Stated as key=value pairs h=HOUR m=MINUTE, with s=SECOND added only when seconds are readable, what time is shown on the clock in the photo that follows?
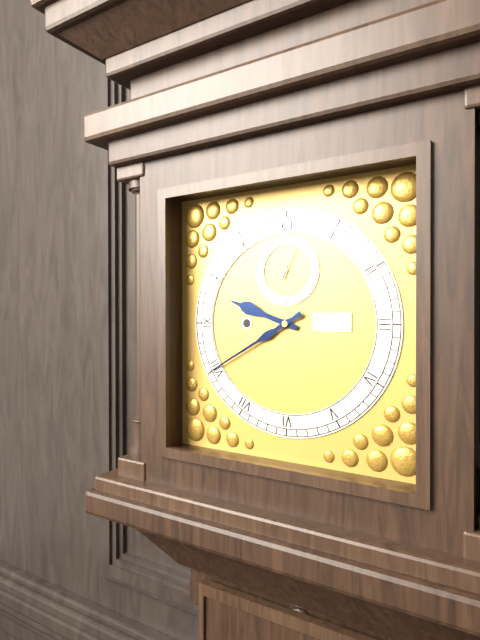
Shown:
h=9 m=40
